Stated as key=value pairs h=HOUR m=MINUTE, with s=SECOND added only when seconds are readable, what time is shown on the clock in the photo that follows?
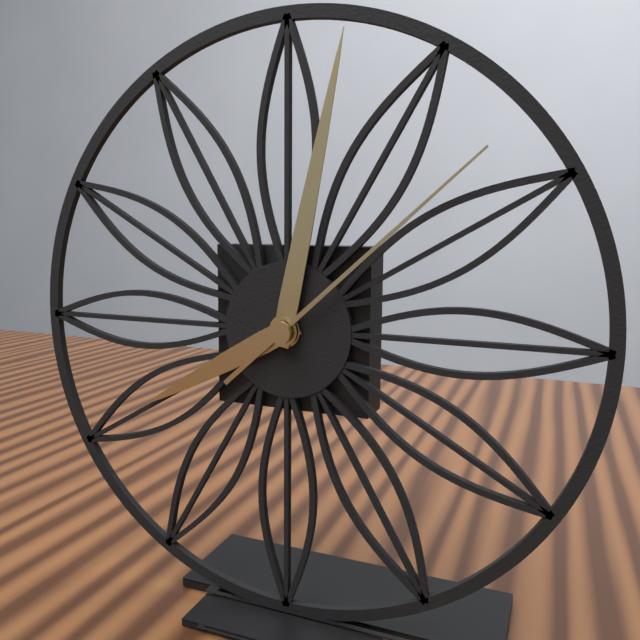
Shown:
h=8 m=2 s=8
